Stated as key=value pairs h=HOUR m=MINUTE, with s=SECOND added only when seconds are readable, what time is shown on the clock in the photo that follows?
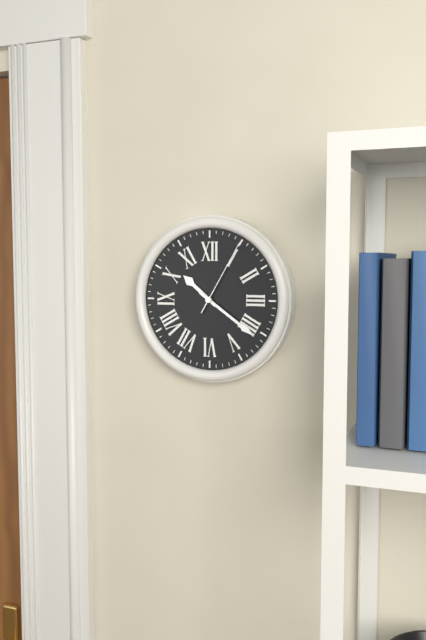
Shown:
h=10 m=21 s=5
